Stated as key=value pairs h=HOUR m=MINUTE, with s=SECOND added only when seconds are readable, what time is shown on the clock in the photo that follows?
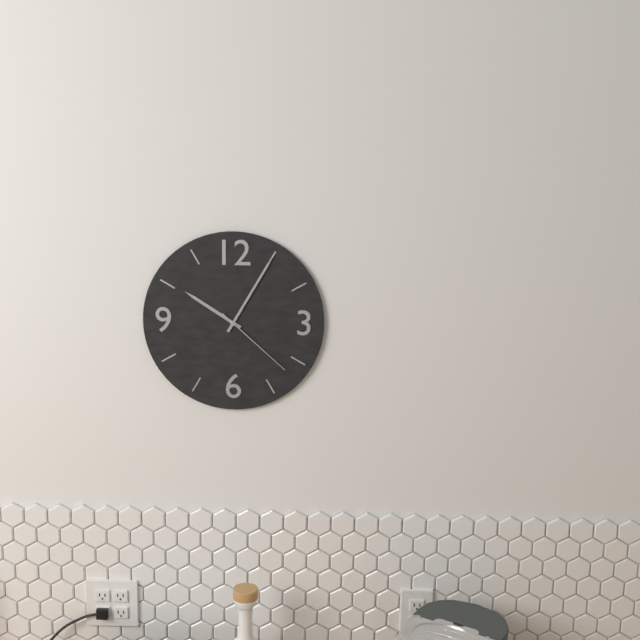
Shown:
h=10 m=5 s=22
